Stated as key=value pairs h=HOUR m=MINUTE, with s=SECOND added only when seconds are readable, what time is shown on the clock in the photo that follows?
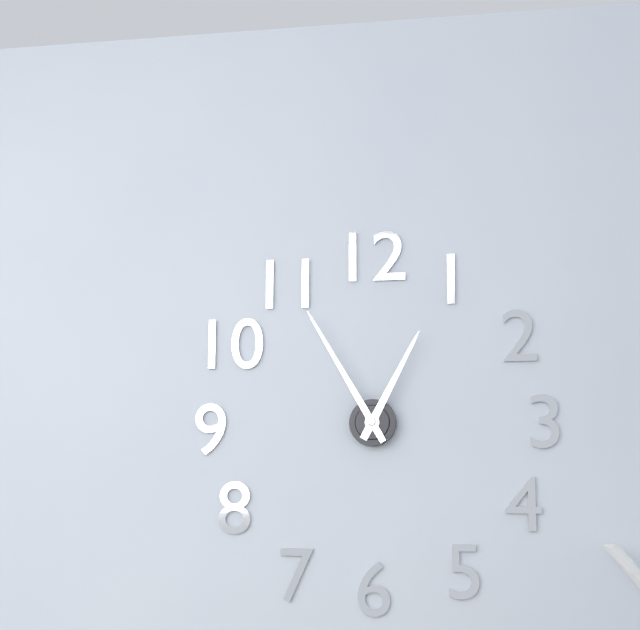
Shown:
h=12 m=55
